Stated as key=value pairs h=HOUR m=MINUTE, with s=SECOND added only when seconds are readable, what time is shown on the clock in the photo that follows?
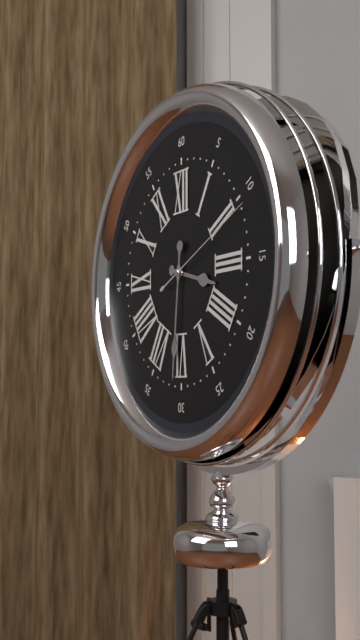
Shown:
h=3 m=31 s=11
